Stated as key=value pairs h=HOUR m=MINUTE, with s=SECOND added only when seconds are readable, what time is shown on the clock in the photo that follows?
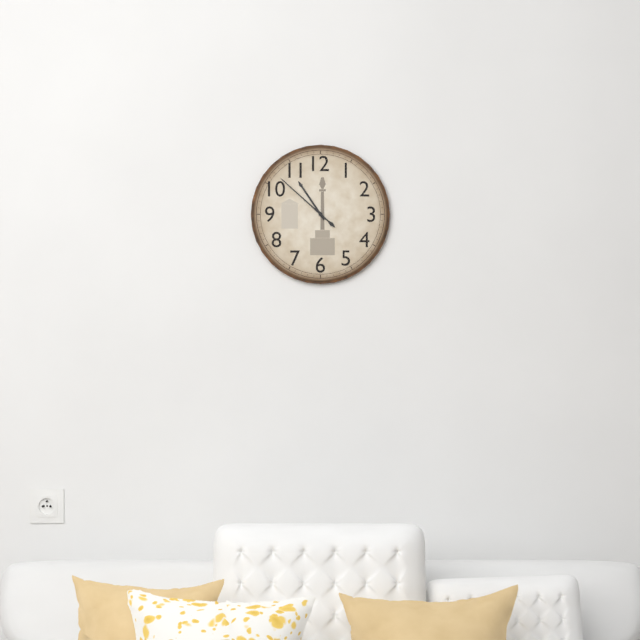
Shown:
h=10 m=52
